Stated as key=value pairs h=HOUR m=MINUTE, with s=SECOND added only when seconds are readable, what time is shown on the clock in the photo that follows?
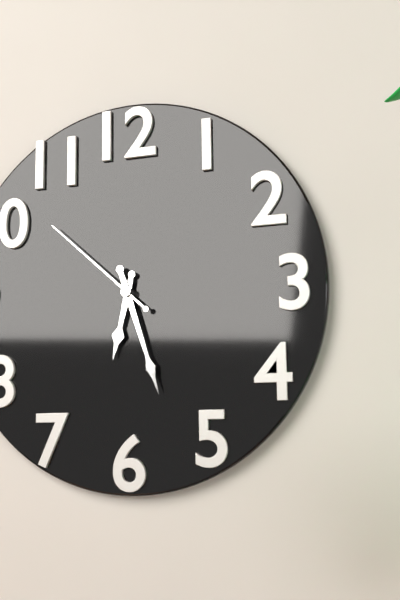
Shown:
h=6 m=27 s=52
